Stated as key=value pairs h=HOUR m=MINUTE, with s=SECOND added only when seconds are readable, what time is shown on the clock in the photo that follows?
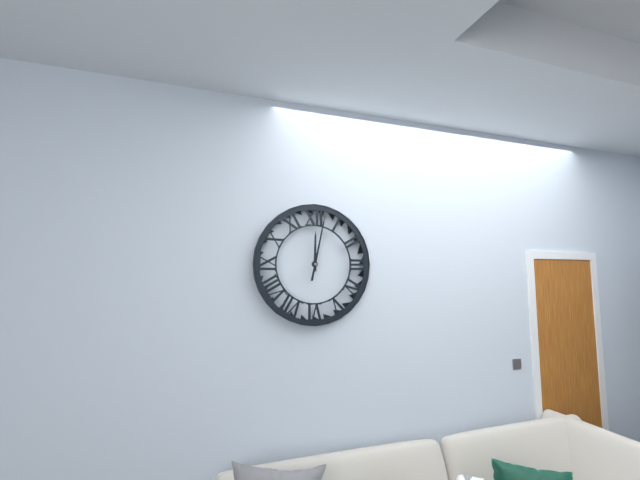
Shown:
h=12 m=2
